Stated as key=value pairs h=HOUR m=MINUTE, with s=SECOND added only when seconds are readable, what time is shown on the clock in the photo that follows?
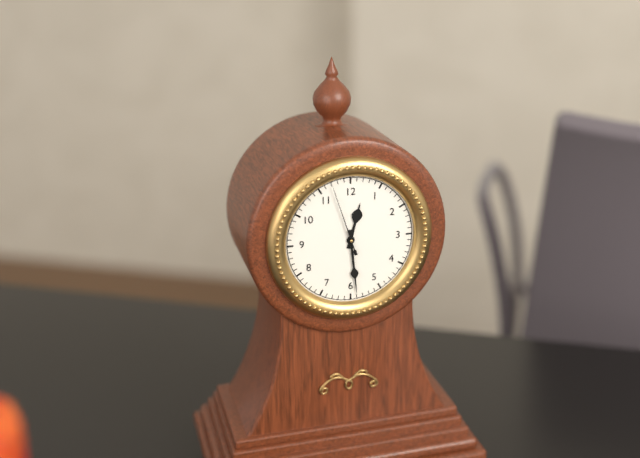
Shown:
h=12 m=29 s=57
